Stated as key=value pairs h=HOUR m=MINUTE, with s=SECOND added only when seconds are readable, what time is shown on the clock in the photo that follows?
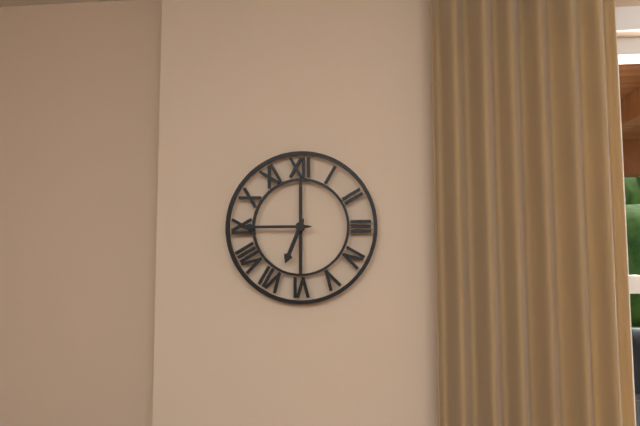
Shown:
h=6 m=45
